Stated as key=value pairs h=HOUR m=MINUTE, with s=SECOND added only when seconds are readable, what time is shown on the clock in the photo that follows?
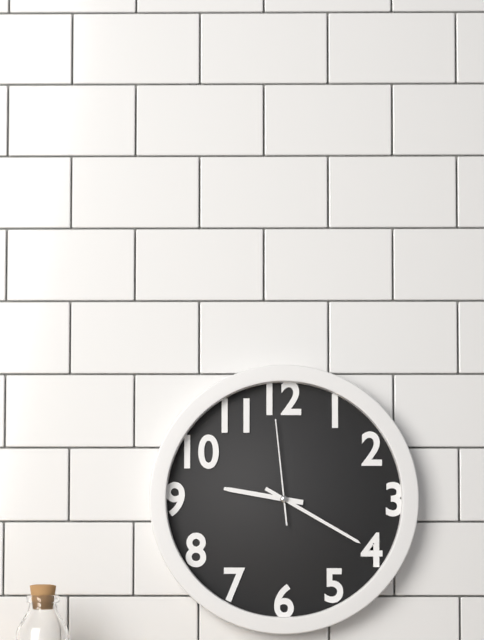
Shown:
h=9 m=20 s=59
